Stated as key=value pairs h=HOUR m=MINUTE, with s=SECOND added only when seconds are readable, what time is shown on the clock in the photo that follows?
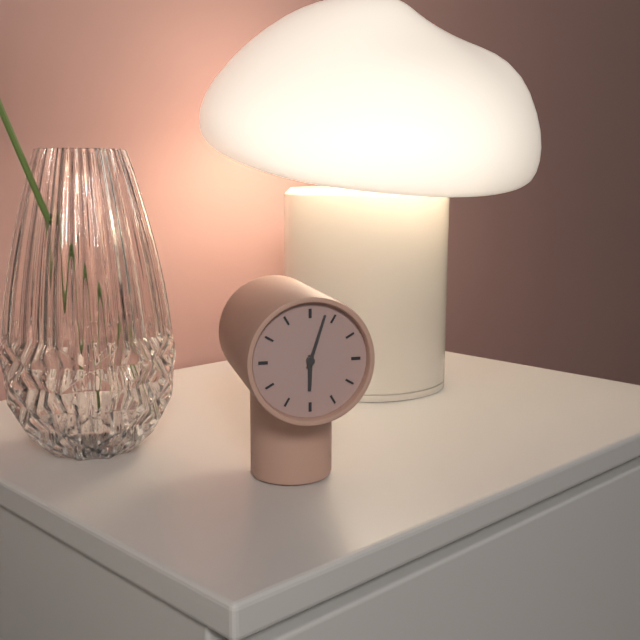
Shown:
h=6 m=3
